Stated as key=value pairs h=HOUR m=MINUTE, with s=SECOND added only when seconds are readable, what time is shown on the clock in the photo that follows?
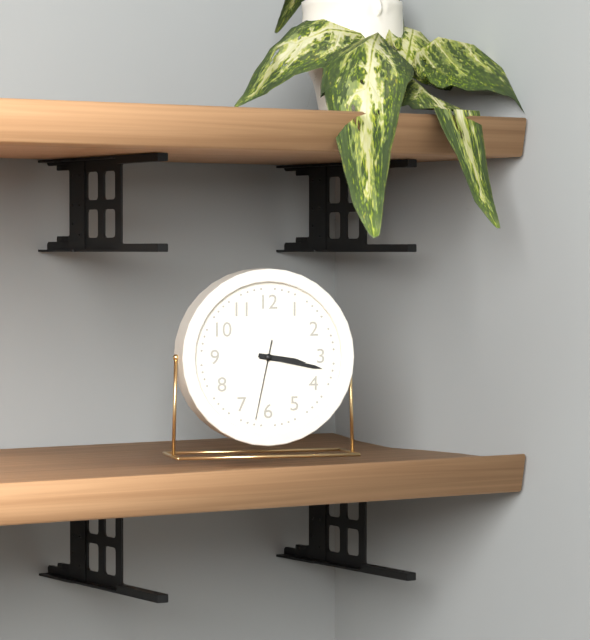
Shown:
h=3 m=17 s=32
